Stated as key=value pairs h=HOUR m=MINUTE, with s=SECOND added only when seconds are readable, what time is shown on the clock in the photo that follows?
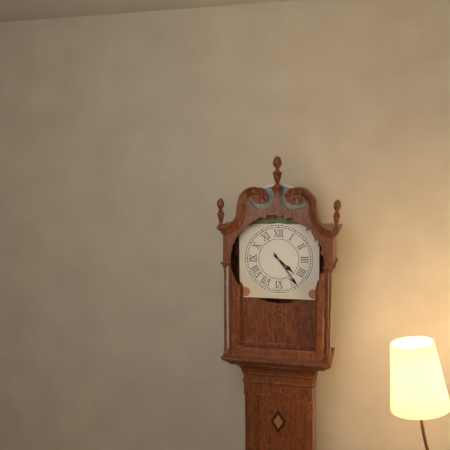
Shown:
h=4 m=24
